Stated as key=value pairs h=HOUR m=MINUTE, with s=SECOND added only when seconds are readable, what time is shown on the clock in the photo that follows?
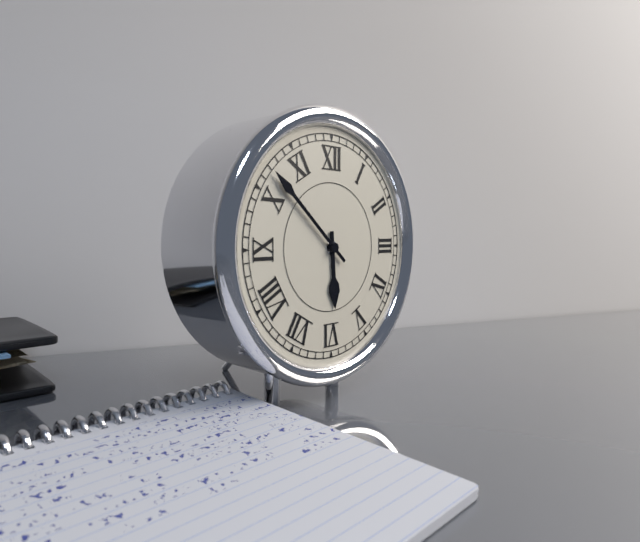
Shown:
h=5 m=52
